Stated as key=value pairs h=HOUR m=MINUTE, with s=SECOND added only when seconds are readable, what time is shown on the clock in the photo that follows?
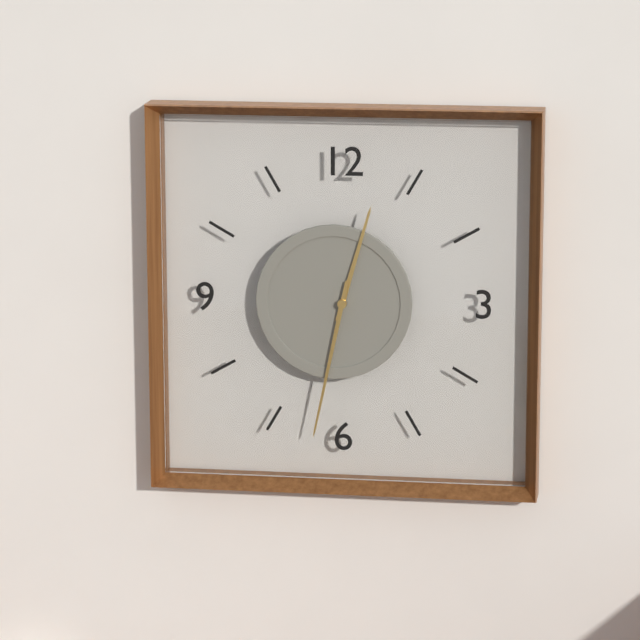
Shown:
h=12 m=32
